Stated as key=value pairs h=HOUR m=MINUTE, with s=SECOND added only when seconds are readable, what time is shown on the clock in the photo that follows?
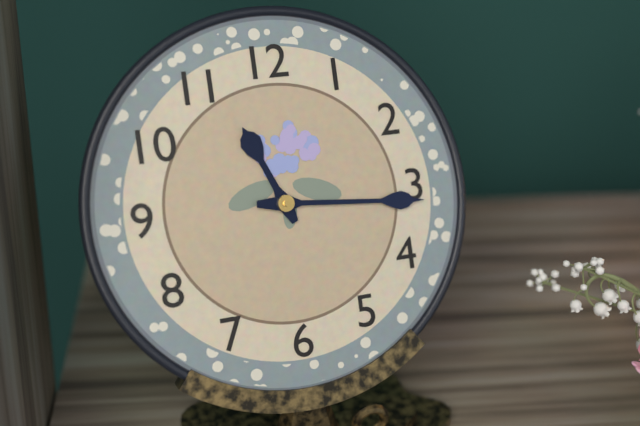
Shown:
h=11 m=16
